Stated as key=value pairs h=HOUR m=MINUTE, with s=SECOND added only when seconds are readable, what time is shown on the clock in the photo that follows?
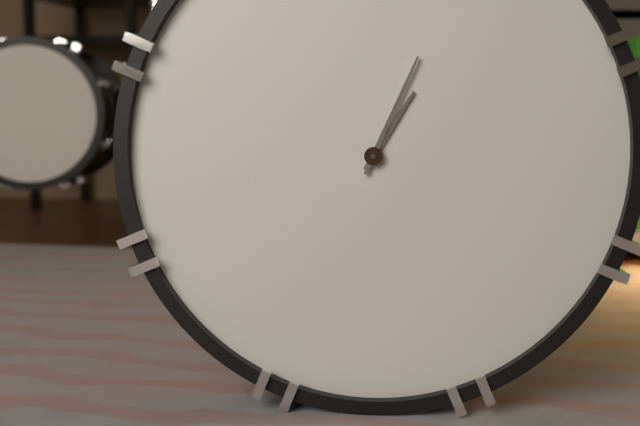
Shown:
h=1 m=4
